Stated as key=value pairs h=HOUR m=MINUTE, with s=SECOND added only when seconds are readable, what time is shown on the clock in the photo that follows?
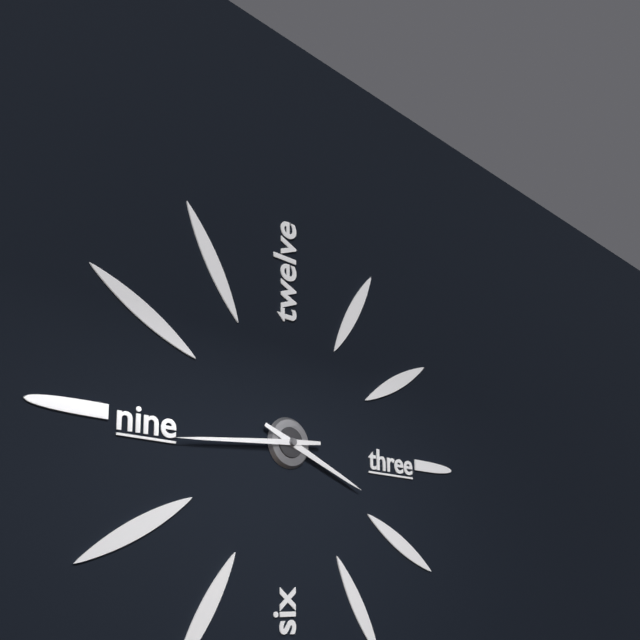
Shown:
h=3 m=44
